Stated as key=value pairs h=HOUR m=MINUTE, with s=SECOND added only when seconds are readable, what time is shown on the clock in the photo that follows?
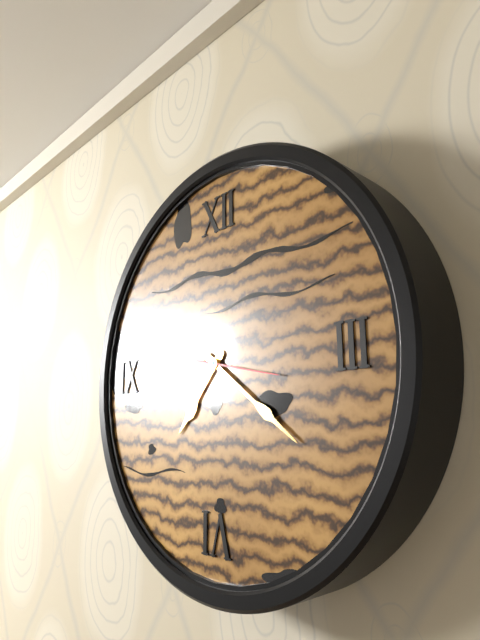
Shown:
h=7 m=21 s=17
